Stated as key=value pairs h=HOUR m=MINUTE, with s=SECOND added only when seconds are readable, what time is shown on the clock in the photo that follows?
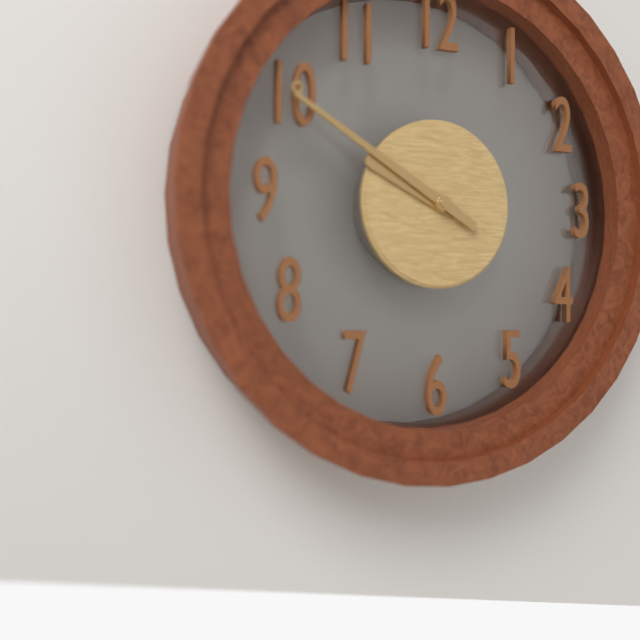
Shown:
h=9 m=50
